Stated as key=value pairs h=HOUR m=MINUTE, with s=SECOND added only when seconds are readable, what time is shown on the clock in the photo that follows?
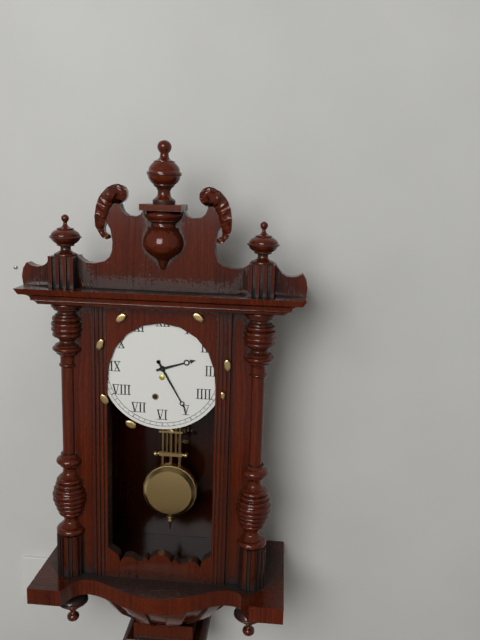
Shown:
h=2 m=25
